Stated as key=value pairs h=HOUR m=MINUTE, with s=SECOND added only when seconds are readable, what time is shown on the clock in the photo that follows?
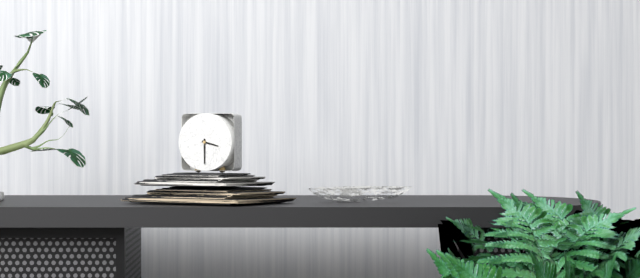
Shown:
h=3 m=30
